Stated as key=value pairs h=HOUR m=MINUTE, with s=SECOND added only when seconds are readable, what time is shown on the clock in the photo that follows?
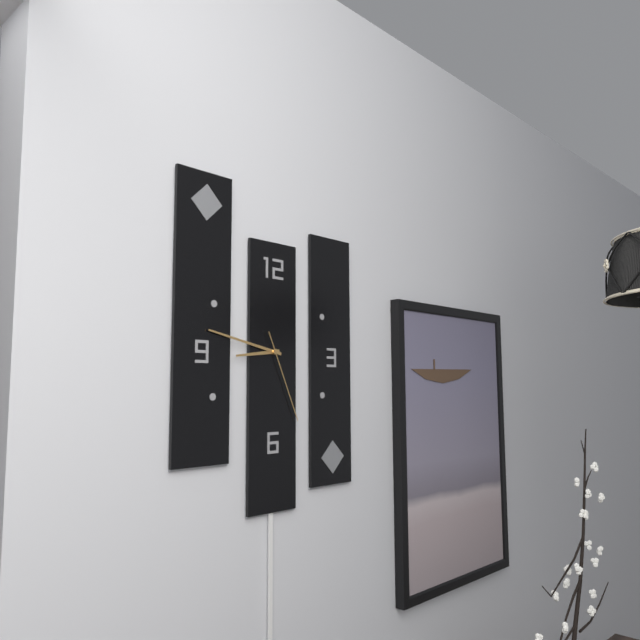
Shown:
h=8 m=47 s=26
